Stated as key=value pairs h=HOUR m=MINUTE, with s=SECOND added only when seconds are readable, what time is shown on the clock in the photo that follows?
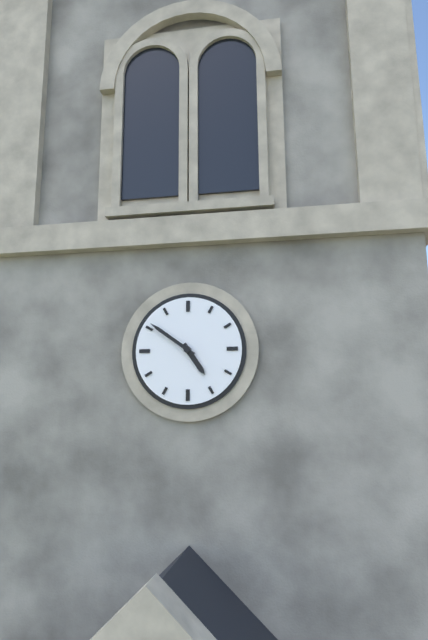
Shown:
h=4 m=51
